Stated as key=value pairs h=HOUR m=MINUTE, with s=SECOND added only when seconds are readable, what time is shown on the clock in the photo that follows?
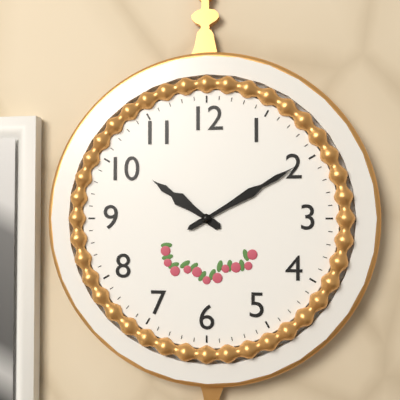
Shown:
h=10 m=10
